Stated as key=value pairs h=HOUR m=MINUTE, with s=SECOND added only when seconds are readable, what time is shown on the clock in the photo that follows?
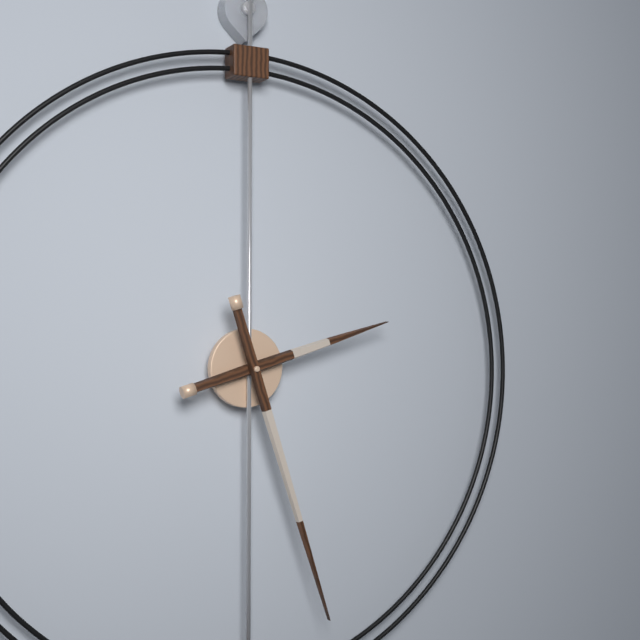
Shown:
h=2 m=27
